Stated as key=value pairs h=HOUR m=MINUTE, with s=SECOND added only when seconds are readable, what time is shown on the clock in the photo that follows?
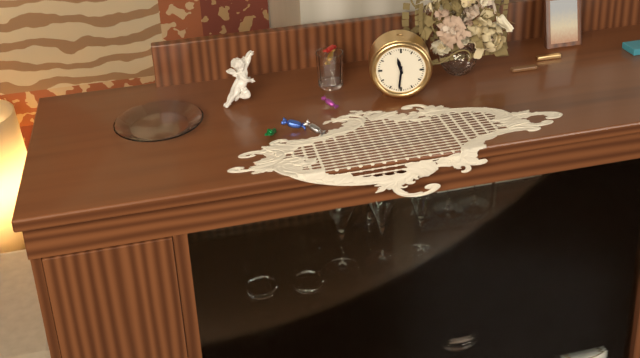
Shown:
h=11 m=31
